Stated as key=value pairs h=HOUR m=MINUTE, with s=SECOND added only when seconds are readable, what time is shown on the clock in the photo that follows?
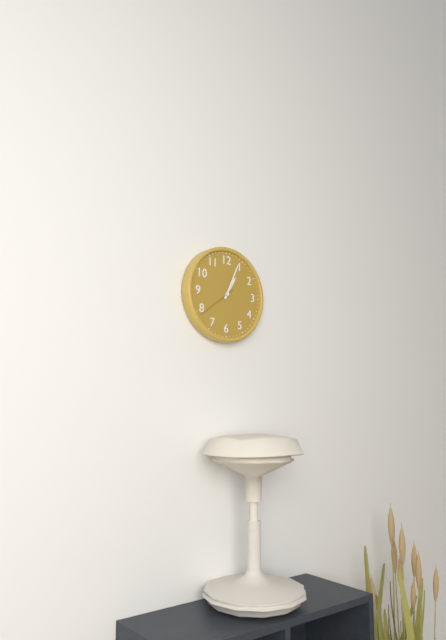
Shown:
h=1 m=4
